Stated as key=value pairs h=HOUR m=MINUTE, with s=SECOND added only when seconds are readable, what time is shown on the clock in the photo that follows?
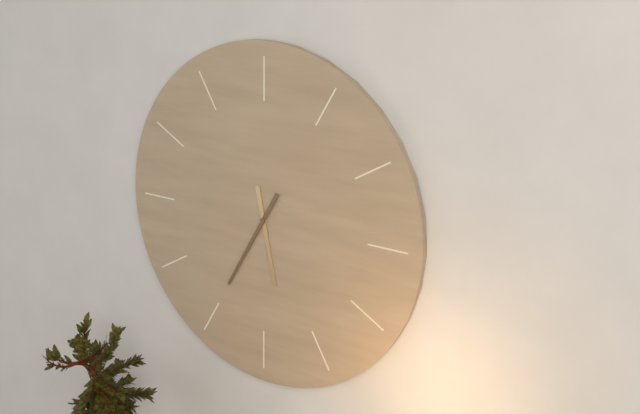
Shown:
h=5 m=35
